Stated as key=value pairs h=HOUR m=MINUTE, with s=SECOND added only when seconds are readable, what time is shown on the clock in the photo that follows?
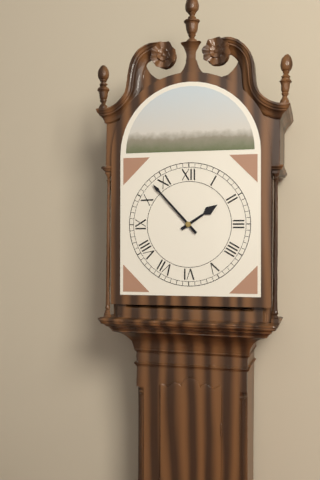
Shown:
h=1 m=53
